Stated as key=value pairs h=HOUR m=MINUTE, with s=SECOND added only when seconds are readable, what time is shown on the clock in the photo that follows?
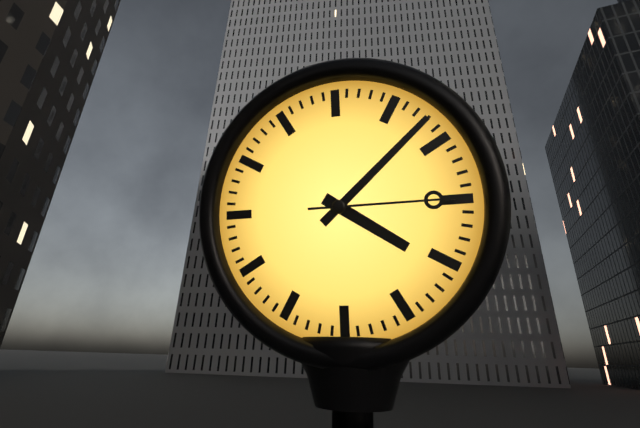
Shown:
h=4 m=8 s=15
